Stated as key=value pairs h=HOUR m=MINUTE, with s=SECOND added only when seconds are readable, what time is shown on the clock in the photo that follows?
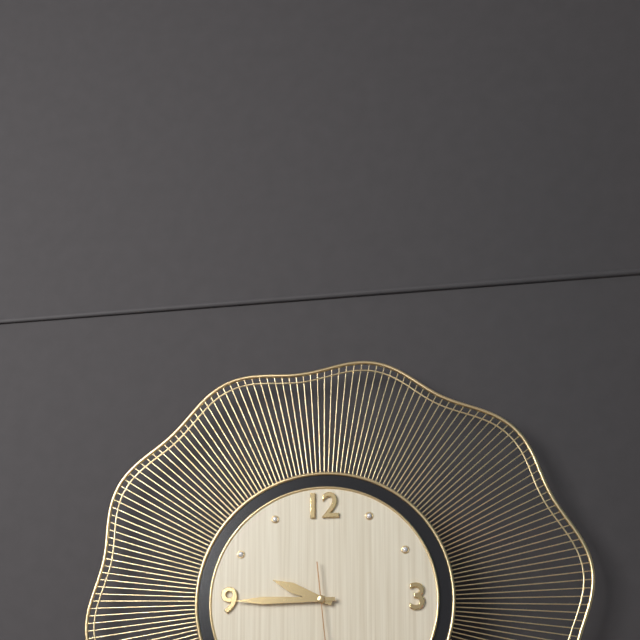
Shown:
h=9 m=45
